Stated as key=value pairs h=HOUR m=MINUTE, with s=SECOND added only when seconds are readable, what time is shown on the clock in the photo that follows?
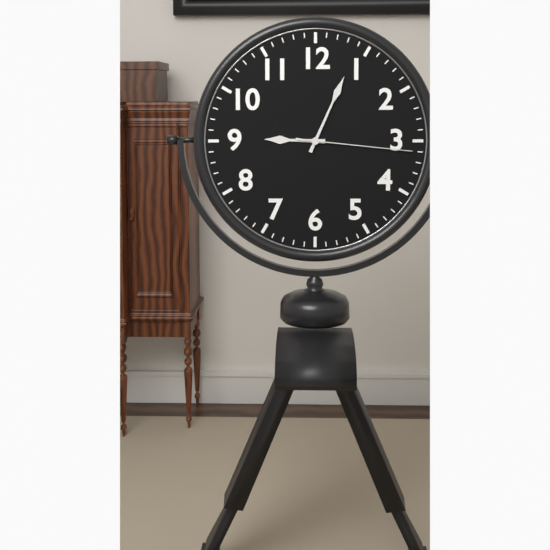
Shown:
h=9 m=4 s=16
